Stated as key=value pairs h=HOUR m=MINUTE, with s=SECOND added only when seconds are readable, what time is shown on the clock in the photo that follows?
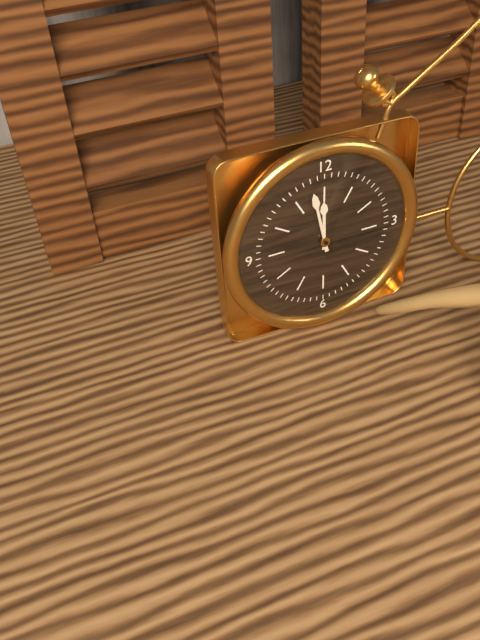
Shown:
h=11 m=58
